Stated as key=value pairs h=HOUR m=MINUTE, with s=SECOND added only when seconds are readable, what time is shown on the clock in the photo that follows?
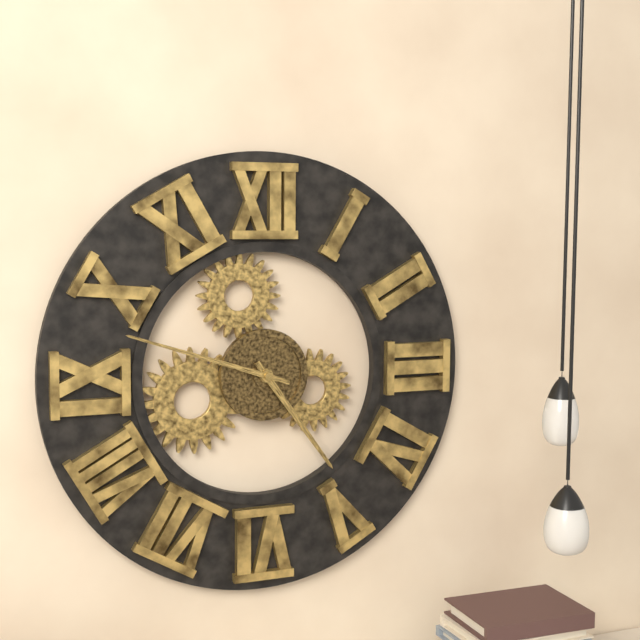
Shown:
h=4 m=48
